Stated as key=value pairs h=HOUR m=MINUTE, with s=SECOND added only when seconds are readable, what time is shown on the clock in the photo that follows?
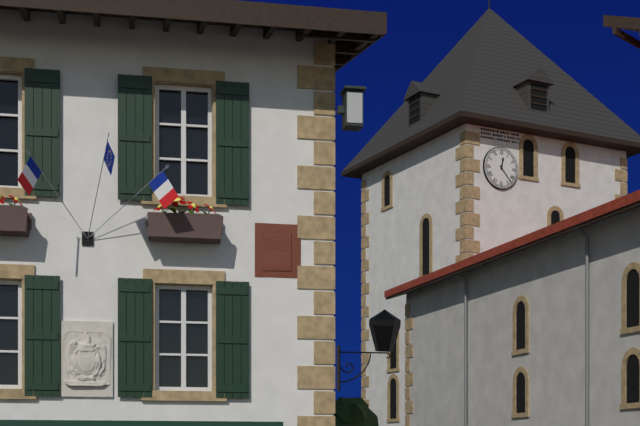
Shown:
h=12 m=23
